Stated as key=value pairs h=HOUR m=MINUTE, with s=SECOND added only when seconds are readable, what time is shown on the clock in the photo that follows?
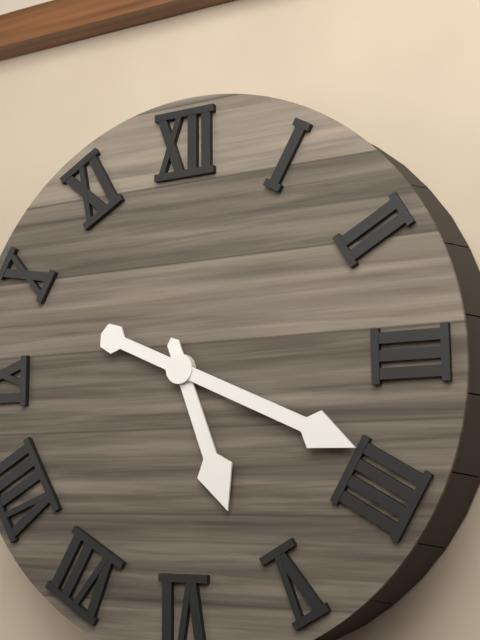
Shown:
h=5 m=19
